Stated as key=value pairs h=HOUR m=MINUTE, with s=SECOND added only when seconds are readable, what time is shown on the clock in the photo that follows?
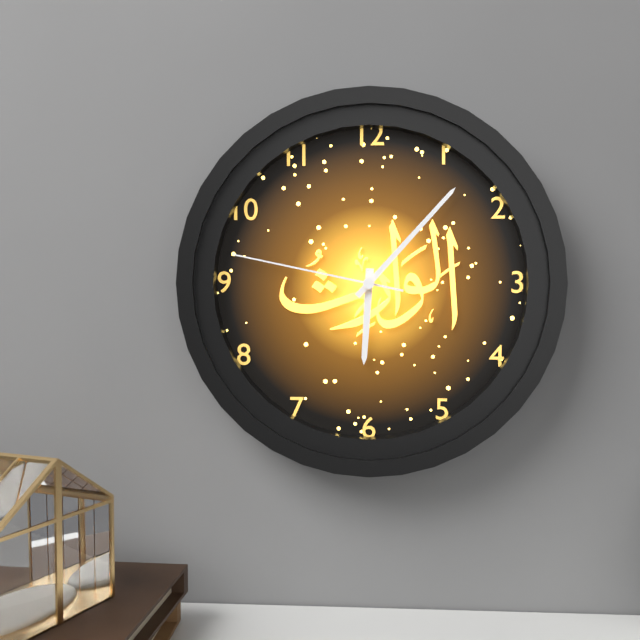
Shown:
h=6 m=7 s=47
